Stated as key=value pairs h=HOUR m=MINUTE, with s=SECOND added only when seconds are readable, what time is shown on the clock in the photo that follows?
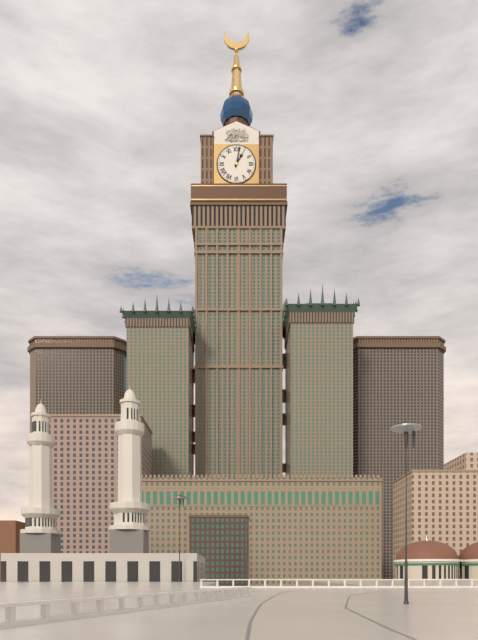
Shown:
h=1 m=2
